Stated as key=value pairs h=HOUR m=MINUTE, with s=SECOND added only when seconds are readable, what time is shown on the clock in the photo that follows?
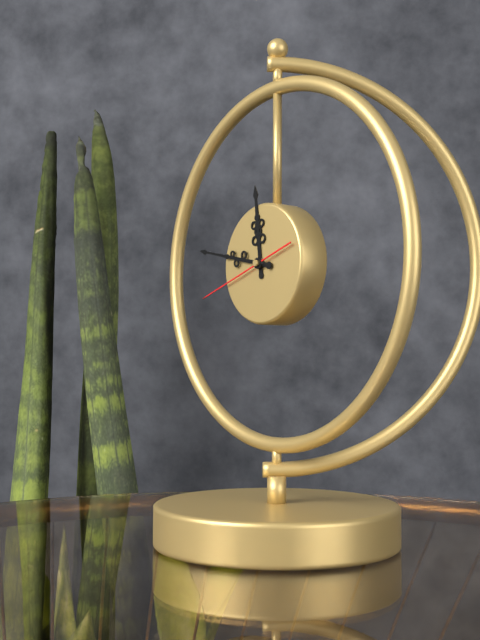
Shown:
h=11 m=47 s=42
